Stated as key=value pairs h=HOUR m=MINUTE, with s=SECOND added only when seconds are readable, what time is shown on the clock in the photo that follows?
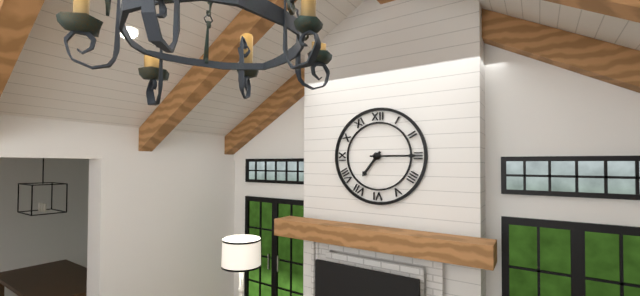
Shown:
h=7 m=15
